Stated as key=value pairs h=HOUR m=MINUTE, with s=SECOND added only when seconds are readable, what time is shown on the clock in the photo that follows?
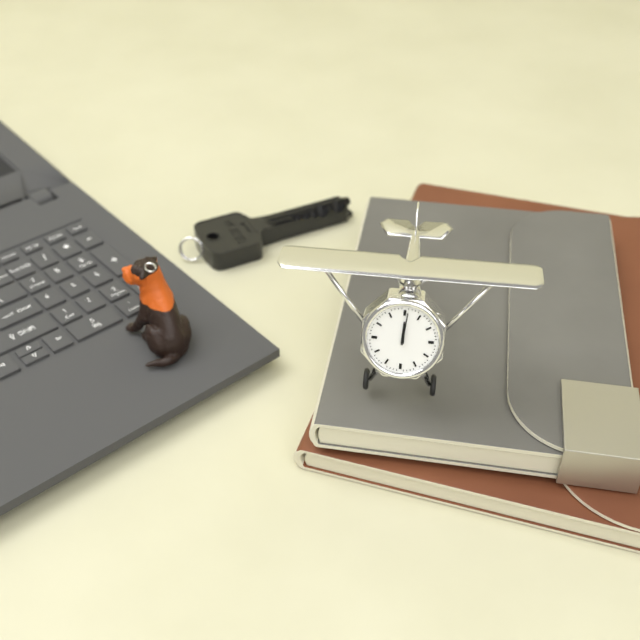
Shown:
h=12 m=1
